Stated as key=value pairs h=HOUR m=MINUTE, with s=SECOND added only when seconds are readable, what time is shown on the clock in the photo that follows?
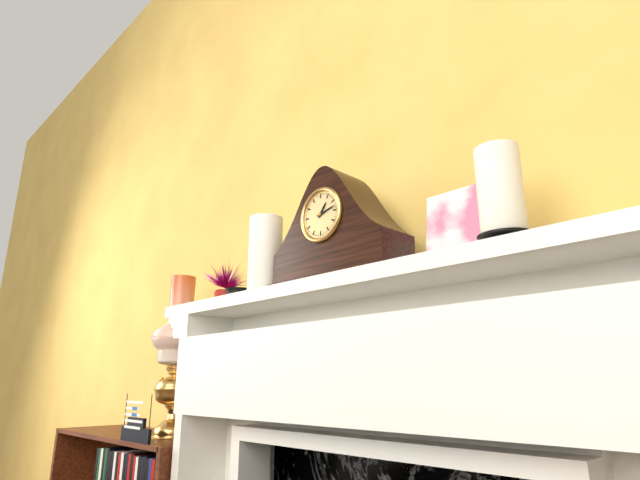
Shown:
h=1 m=13
